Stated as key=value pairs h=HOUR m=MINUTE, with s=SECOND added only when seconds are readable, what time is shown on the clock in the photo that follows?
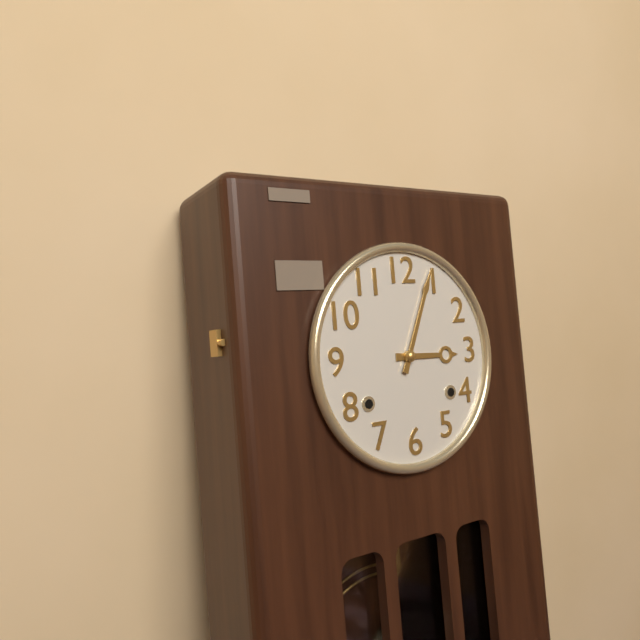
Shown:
h=3 m=4
